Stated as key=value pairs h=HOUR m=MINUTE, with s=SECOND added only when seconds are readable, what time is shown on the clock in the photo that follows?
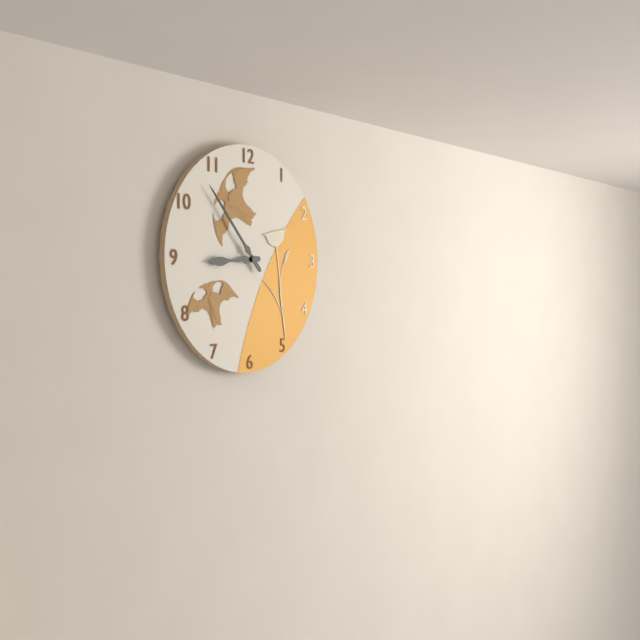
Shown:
h=8 m=53
